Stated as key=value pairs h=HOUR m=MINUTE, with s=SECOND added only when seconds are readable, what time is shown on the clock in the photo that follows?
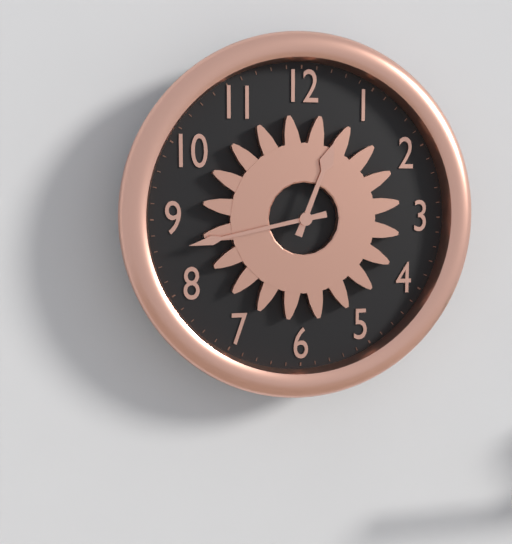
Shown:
h=12 m=43
